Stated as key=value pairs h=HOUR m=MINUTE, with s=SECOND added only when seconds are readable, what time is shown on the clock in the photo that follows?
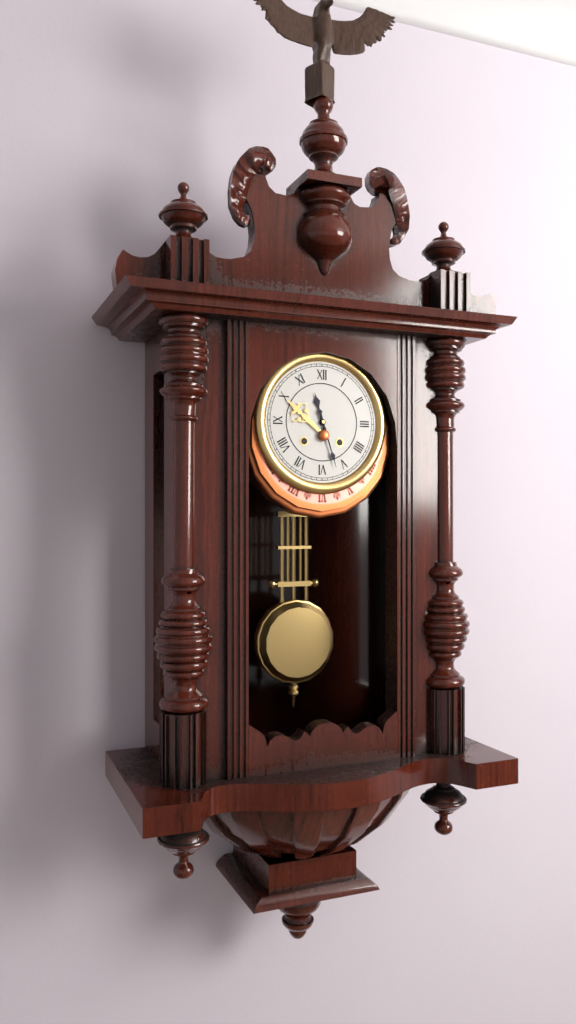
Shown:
h=11 m=27
